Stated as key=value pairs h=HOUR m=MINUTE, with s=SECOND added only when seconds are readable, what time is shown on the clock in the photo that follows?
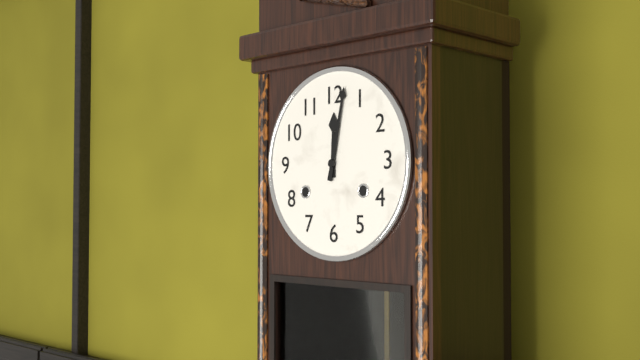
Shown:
h=12 m=2
